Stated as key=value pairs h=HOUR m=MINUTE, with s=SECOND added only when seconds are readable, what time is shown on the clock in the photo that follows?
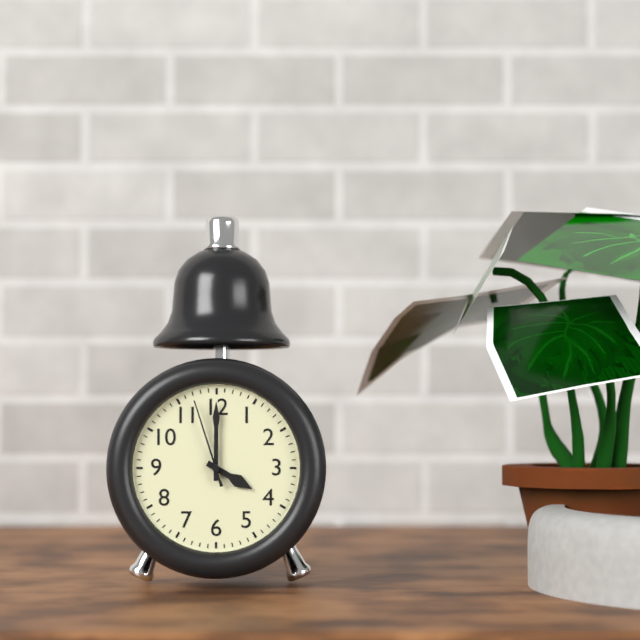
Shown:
h=4 m=0 s=57
